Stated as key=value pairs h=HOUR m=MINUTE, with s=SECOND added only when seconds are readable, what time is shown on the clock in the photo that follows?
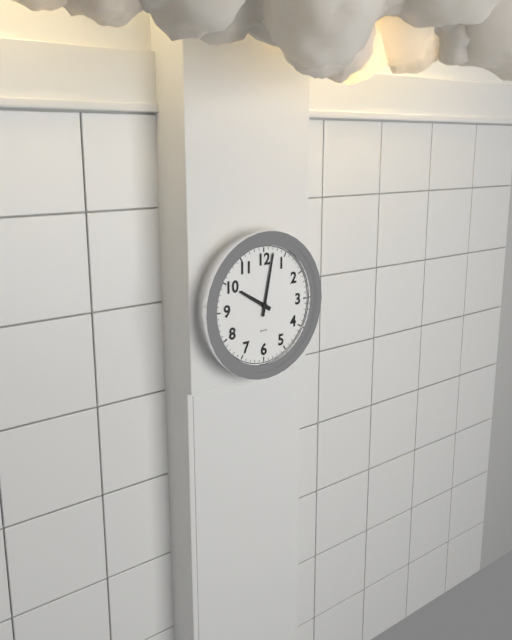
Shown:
h=10 m=2
